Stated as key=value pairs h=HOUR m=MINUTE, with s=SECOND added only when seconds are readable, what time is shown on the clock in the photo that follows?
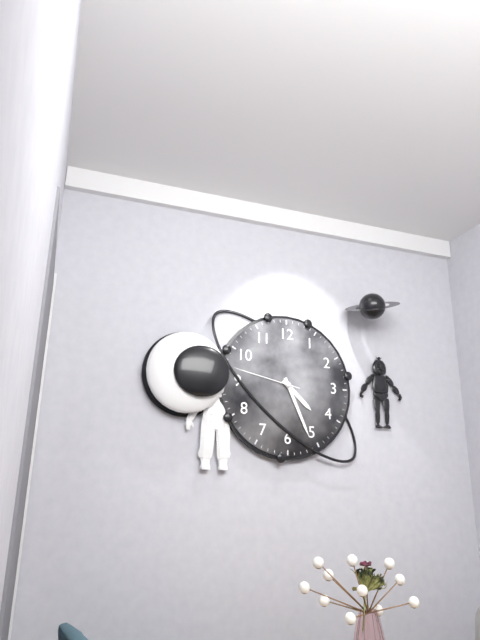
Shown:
h=4 m=26 s=47
